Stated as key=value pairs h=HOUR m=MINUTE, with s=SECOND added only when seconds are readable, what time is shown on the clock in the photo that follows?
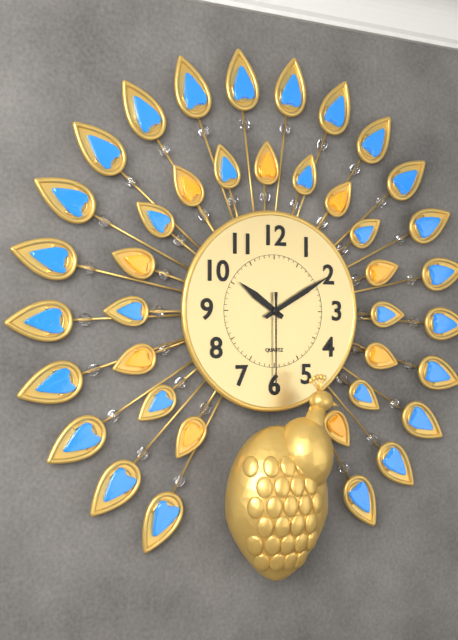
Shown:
h=10 m=10 s=30
